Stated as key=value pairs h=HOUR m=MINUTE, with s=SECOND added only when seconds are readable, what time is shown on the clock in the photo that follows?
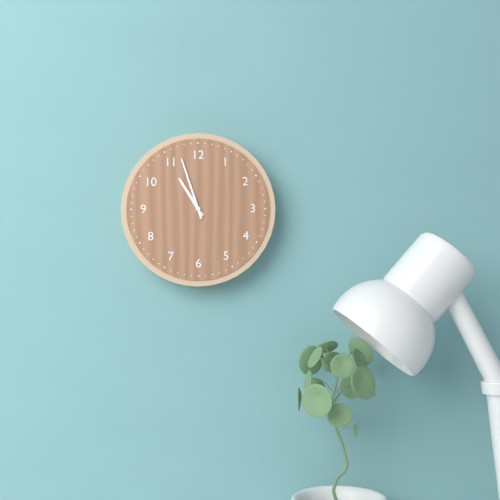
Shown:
h=10 m=57
